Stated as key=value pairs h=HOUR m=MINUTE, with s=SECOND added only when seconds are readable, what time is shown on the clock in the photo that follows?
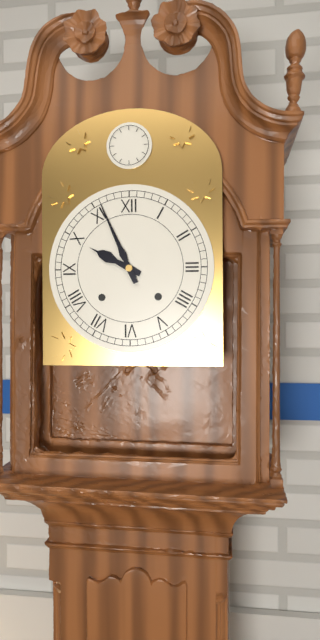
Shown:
h=9 m=56
